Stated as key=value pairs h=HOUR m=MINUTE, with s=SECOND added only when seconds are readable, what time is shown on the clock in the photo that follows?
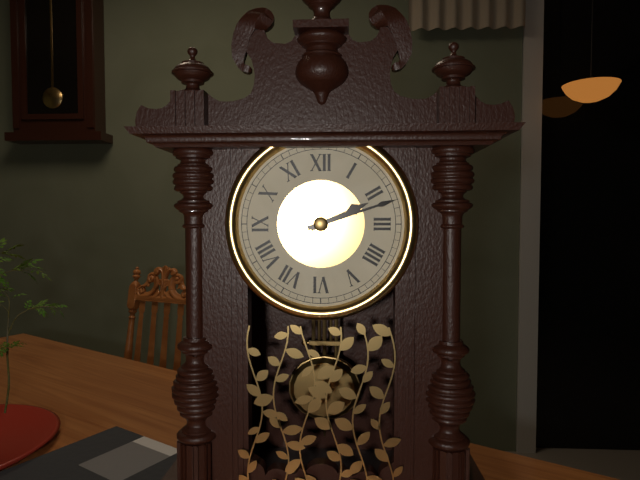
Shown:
h=2 m=12
